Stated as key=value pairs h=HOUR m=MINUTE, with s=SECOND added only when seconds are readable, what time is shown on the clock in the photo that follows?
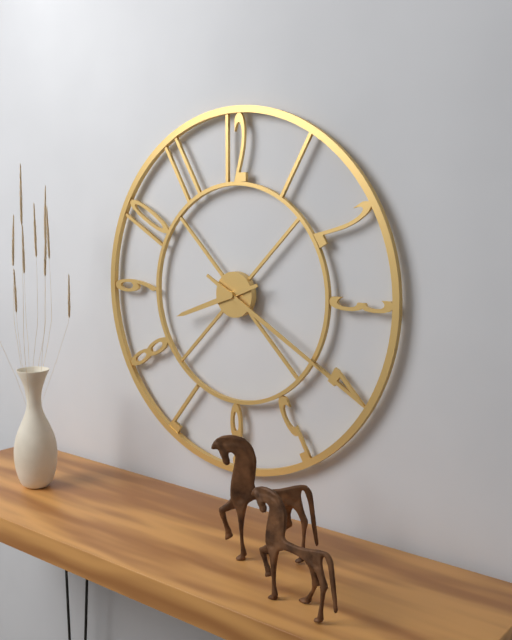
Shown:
h=8 m=20
